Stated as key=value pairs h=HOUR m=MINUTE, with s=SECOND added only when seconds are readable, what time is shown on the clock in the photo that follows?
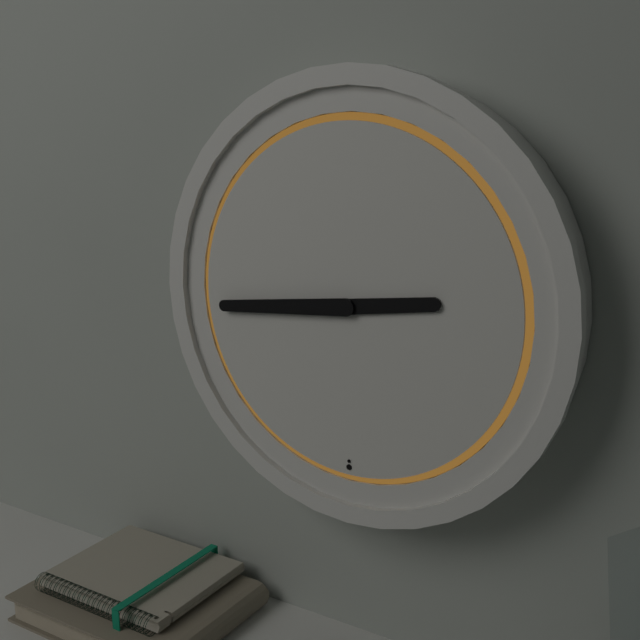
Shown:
h=2 m=44
